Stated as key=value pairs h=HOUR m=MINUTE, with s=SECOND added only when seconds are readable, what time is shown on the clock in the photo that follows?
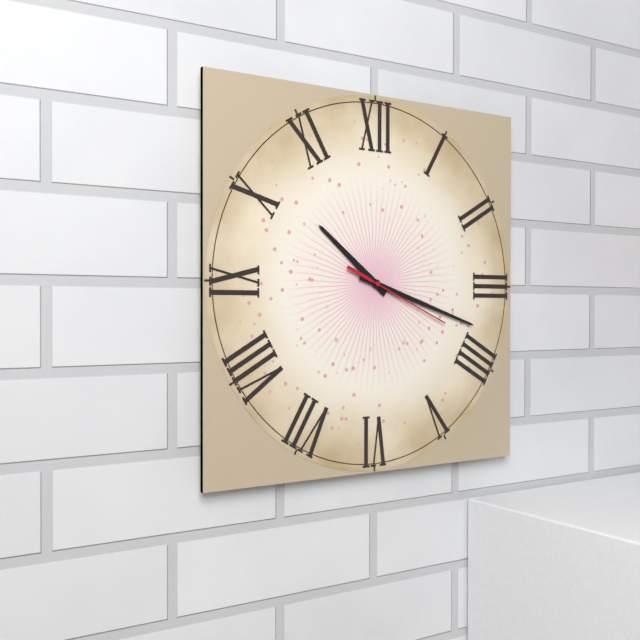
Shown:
h=10 m=18 s=19
